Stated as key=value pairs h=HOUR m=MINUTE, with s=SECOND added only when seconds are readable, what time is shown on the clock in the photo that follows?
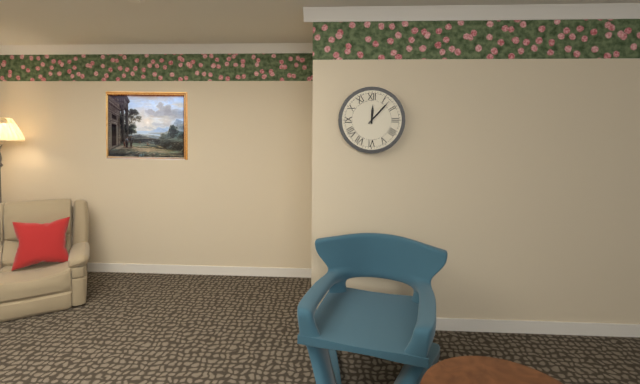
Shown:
h=12 m=7
